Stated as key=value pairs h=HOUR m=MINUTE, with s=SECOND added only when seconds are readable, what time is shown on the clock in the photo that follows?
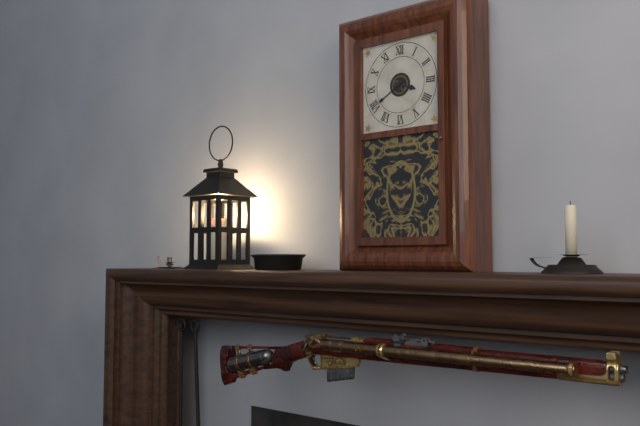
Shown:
h=3 m=40
